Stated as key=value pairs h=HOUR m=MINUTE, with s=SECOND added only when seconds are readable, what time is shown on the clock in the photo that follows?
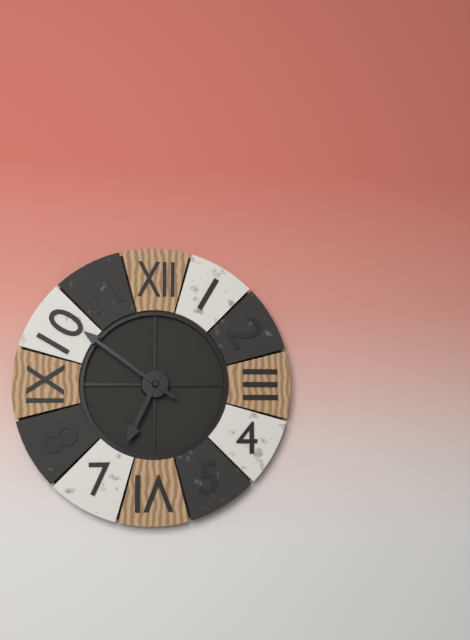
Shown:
h=6 m=51
